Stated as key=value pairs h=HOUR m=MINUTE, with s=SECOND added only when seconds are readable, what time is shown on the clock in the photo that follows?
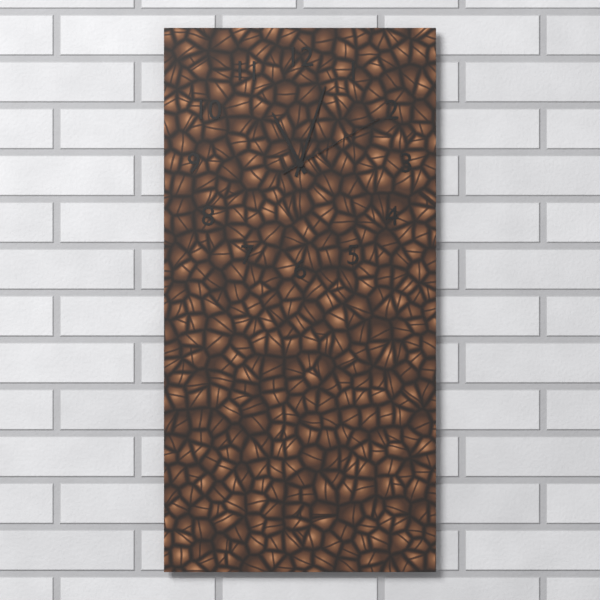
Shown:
h=11 m=3 s=10
